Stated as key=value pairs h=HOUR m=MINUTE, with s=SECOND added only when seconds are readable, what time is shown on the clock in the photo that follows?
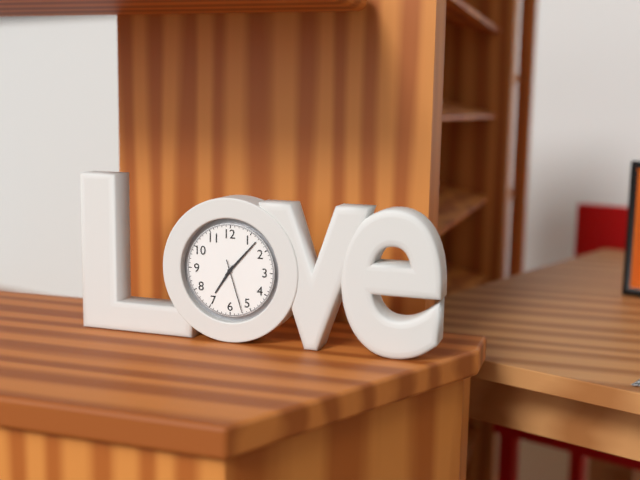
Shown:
h=7 m=7 s=27
